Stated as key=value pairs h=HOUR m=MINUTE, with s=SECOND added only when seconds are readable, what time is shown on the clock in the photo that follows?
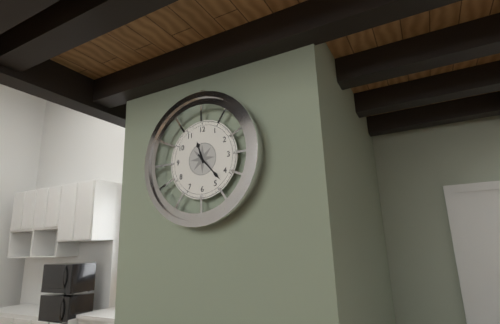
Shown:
h=11 m=23
